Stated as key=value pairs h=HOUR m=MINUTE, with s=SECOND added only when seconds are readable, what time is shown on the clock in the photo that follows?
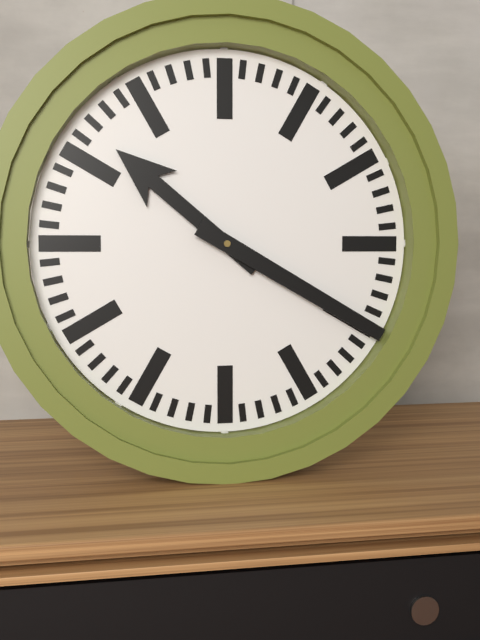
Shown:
h=10 m=20
